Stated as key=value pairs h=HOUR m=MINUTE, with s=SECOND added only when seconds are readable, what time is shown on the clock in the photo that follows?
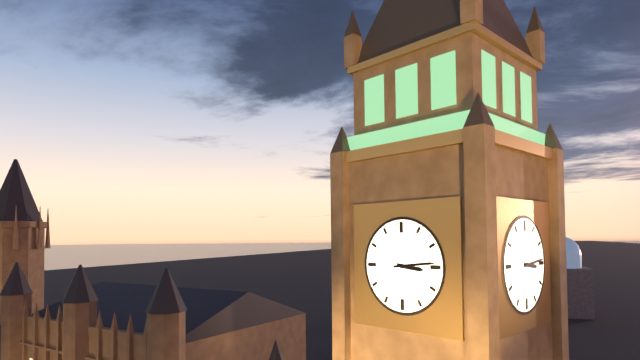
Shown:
h=3 m=14
